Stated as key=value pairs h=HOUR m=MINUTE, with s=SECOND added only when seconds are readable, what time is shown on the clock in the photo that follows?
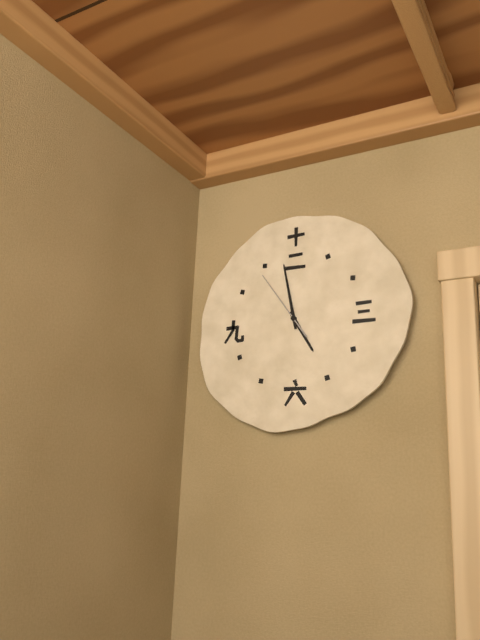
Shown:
h=4 m=58 s=54
